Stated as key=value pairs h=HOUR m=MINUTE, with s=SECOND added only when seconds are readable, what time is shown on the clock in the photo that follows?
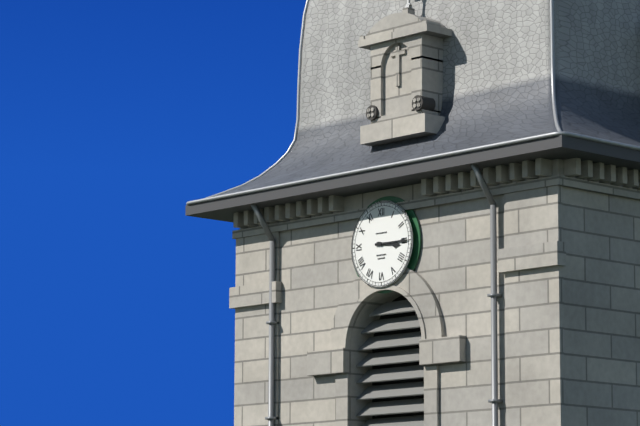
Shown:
h=3 m=15
